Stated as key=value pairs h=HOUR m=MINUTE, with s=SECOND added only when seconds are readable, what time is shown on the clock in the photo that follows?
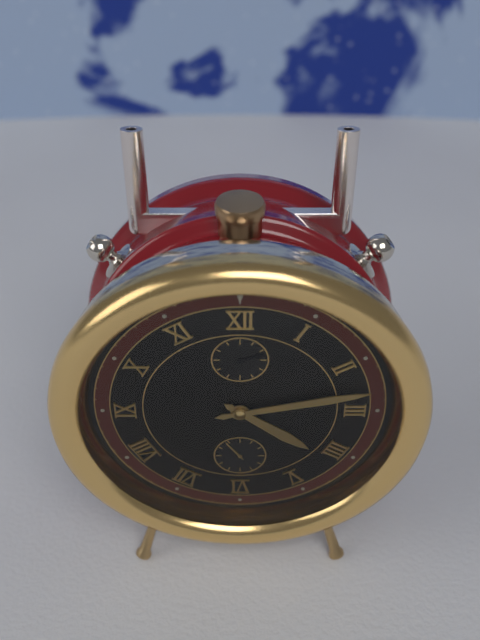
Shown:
h=4 m=13
